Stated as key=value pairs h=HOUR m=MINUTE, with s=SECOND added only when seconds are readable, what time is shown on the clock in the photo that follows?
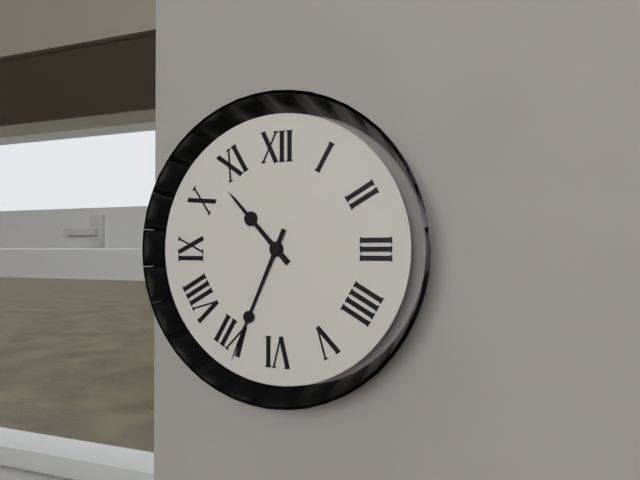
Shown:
h=10 m=34
